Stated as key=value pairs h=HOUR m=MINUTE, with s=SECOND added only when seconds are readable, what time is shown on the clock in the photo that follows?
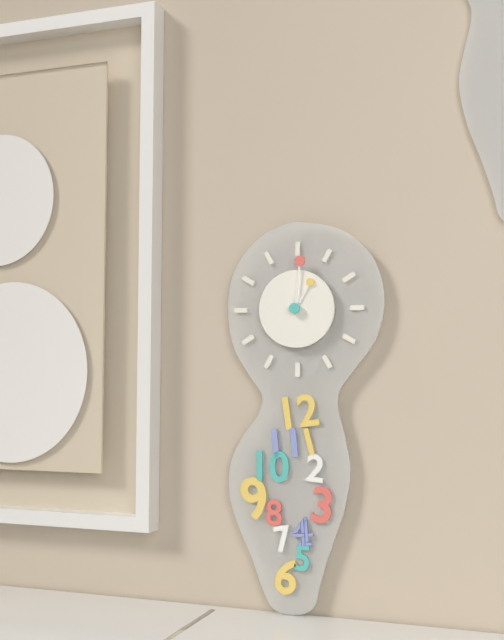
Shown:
h=1 m=1
